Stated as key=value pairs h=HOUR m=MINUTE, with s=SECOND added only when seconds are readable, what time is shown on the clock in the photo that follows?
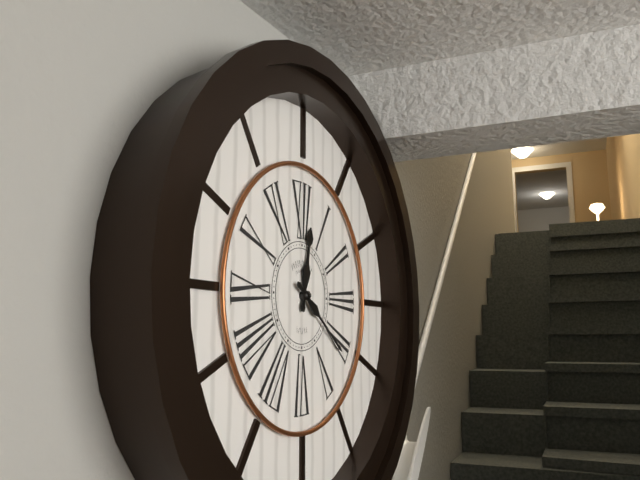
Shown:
h=12 m=21
